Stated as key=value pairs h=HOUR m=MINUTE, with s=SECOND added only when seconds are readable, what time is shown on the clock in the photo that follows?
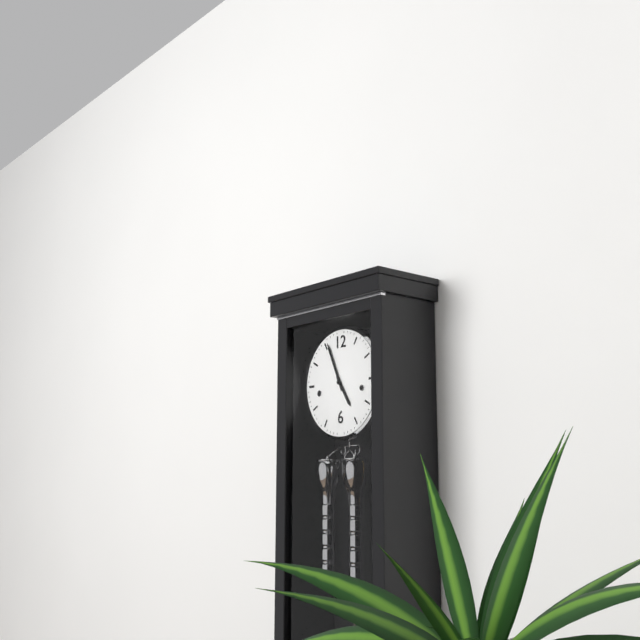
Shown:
h=4 m=56
